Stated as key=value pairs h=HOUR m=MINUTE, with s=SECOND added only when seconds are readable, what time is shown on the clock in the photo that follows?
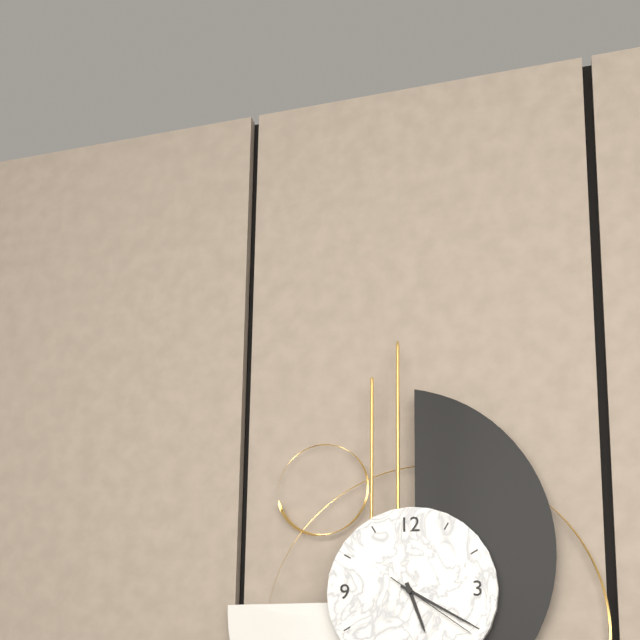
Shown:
h=5 m=20 s=21
